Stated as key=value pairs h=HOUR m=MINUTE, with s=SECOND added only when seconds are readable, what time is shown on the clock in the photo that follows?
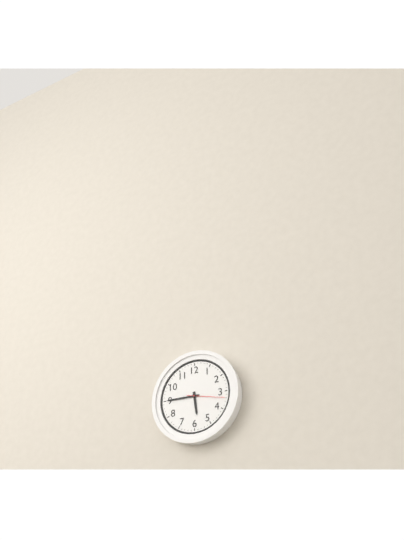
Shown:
h=5 m=45
